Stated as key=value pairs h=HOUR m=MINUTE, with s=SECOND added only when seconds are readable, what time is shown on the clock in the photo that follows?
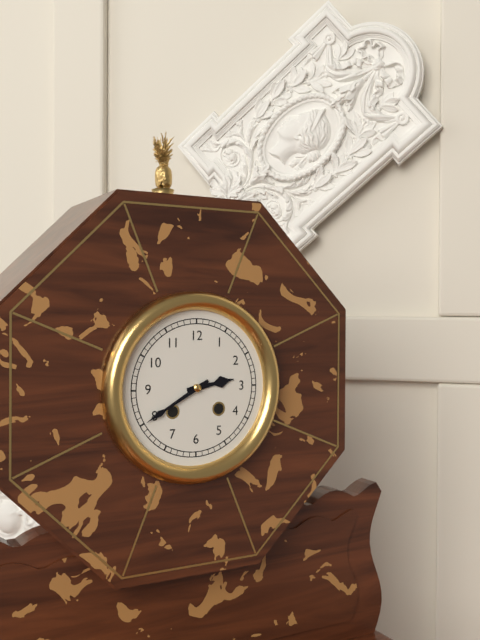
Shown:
h=2 m=40
